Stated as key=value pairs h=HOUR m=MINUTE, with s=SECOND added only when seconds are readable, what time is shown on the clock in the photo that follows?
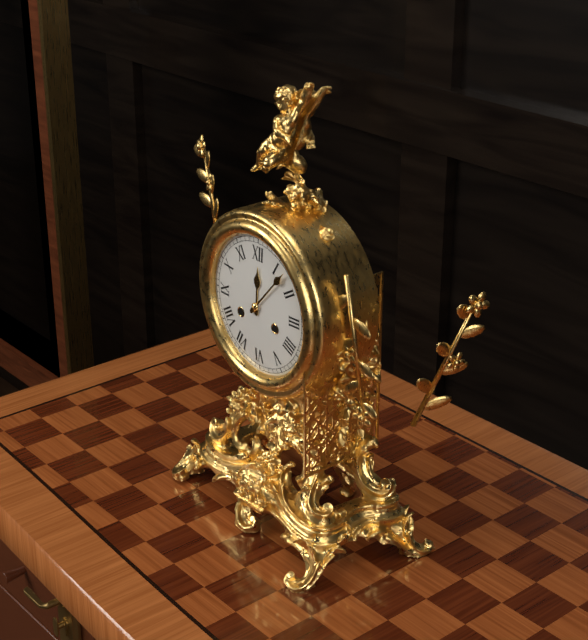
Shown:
h=12 m=7
